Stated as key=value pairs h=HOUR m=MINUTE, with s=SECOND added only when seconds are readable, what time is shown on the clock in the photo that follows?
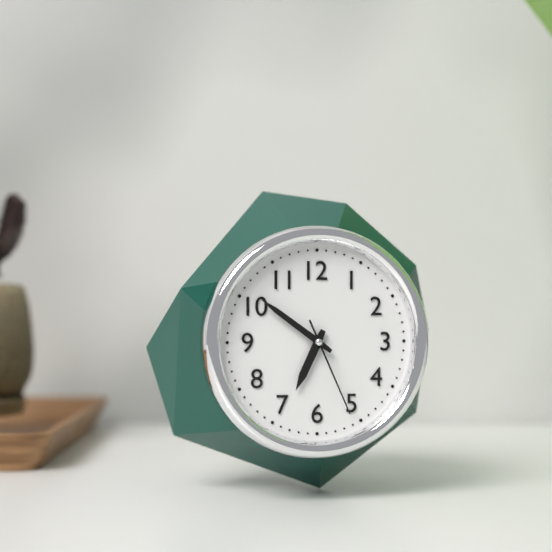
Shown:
h=6 m=51 s=26
